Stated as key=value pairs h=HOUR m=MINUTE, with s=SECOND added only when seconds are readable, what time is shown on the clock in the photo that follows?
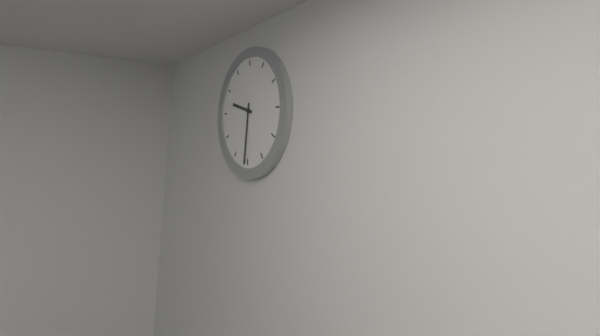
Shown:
h=9 m=31
